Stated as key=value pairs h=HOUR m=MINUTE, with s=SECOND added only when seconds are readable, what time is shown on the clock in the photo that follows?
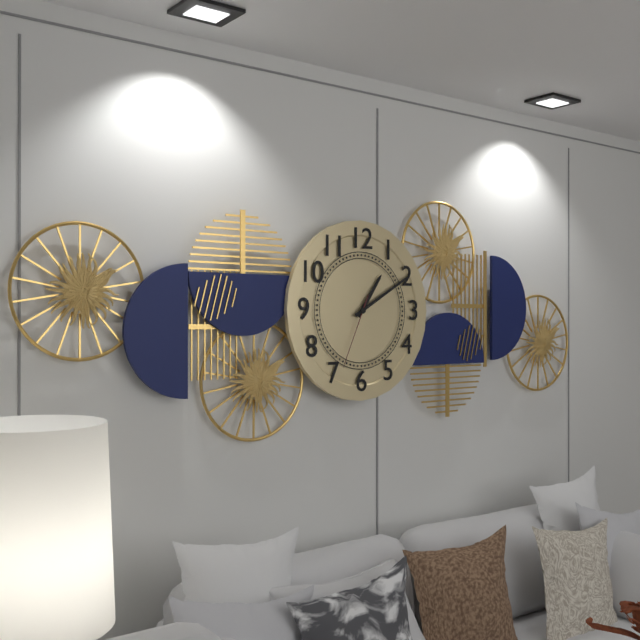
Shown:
h=1 m=10 s=34
